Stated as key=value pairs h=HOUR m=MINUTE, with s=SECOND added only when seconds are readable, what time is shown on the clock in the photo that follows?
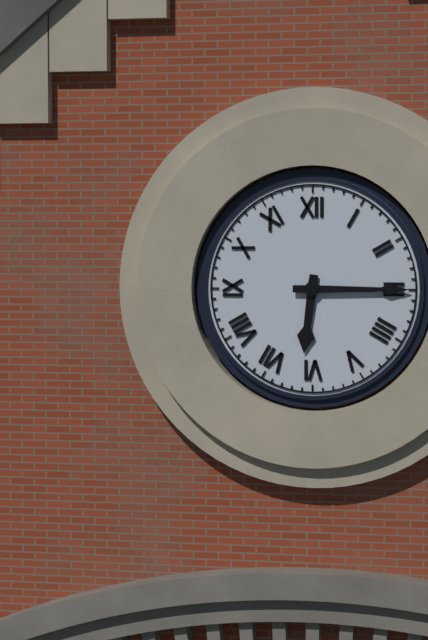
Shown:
h=6 m=15
